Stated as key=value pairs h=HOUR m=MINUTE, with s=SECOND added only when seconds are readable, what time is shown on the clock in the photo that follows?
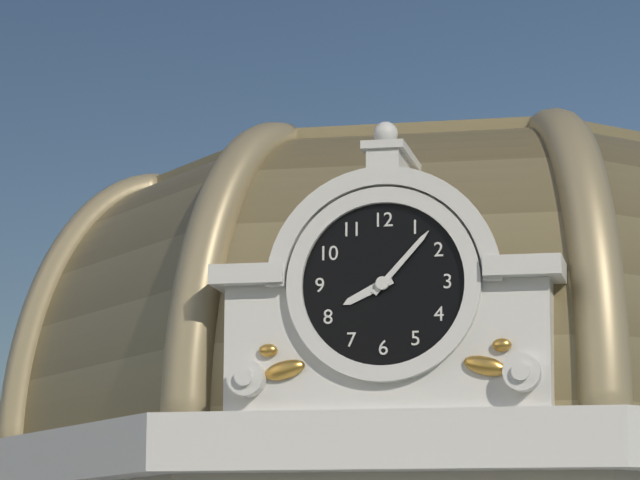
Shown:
h=8 m=7
